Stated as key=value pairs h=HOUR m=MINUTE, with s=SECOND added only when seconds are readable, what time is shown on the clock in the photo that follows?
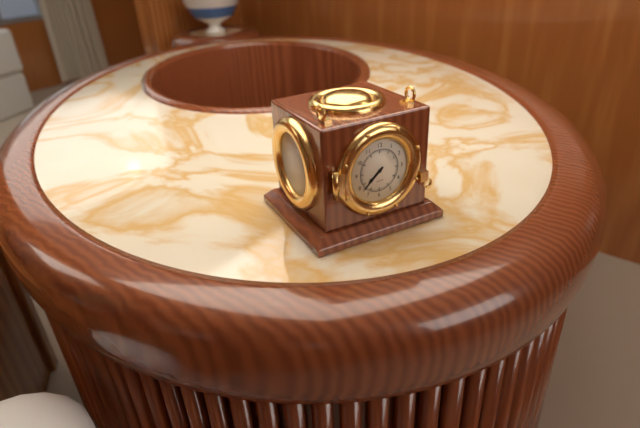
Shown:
h=7 m=38
